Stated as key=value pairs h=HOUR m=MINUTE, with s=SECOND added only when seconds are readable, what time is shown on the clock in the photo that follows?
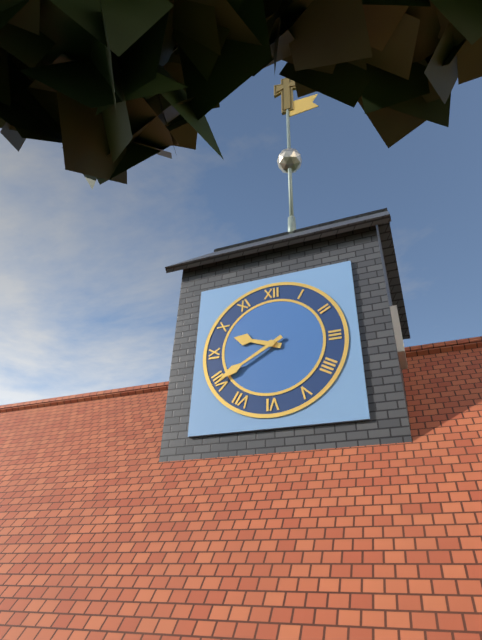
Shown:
h=9 m=40
